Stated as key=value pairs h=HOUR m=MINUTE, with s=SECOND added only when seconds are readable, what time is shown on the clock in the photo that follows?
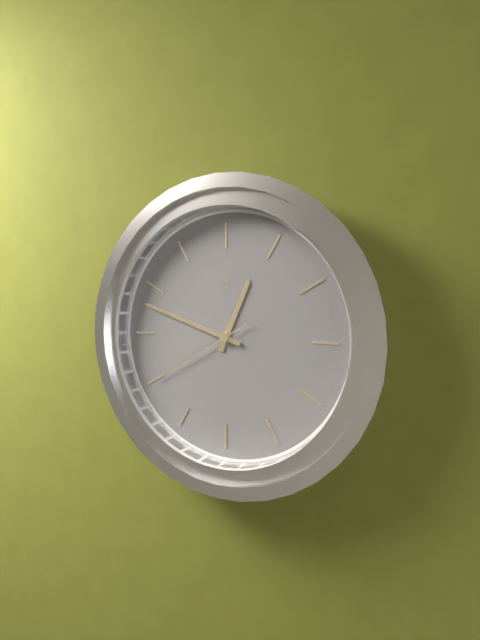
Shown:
h=12 m=48 s=40
